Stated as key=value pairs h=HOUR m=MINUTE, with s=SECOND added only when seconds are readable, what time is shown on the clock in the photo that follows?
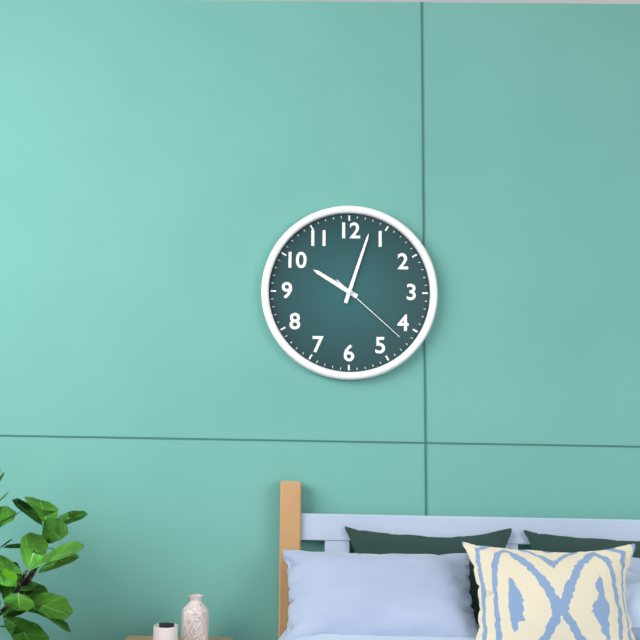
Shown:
h=10 m=3 s=22
